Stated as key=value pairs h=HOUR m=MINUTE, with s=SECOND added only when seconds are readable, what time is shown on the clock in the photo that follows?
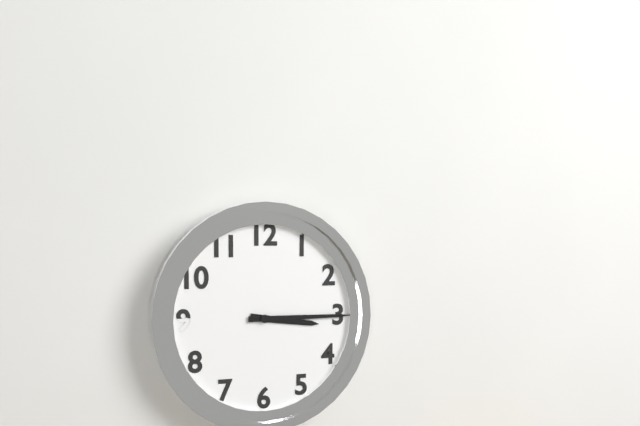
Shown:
h=3 m=15
